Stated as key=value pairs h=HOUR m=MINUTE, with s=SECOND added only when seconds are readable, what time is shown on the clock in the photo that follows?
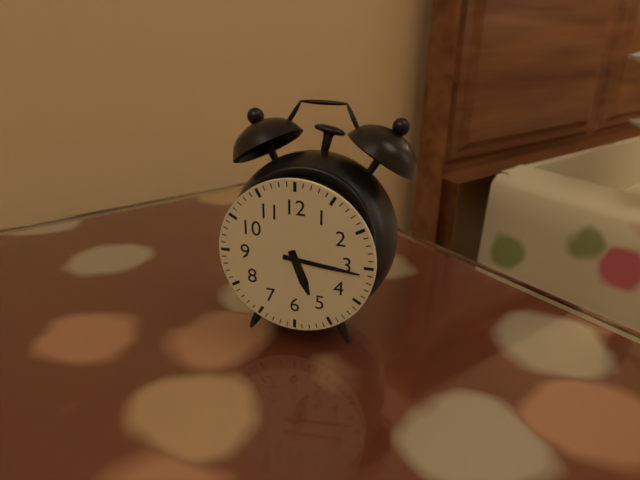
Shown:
h=5 m=16
